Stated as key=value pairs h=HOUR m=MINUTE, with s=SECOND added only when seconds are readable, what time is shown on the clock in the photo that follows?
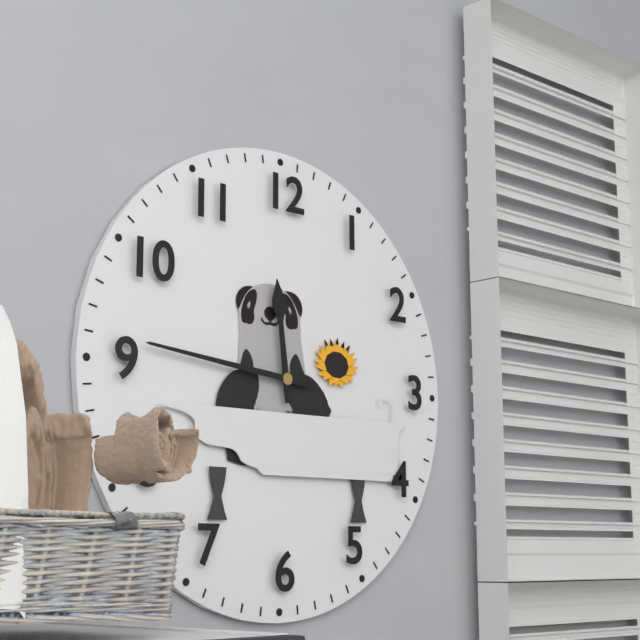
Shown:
h=11 m=46
